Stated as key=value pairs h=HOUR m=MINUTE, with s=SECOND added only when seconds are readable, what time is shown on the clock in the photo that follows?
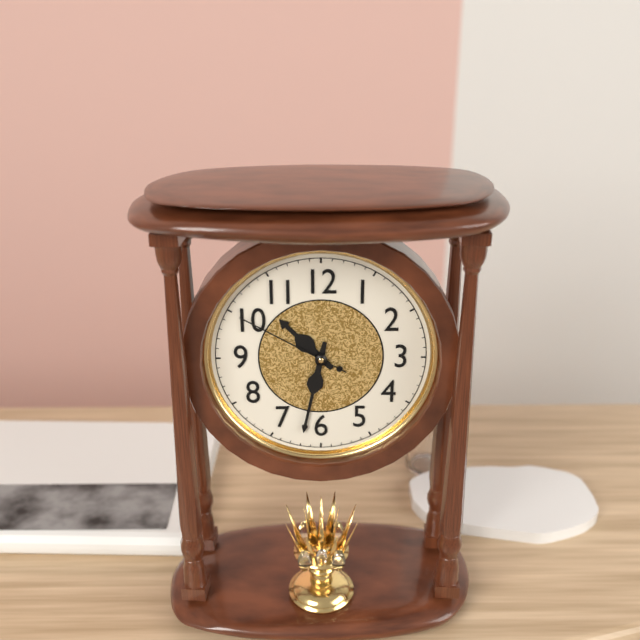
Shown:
h=10 m=32 s=50
